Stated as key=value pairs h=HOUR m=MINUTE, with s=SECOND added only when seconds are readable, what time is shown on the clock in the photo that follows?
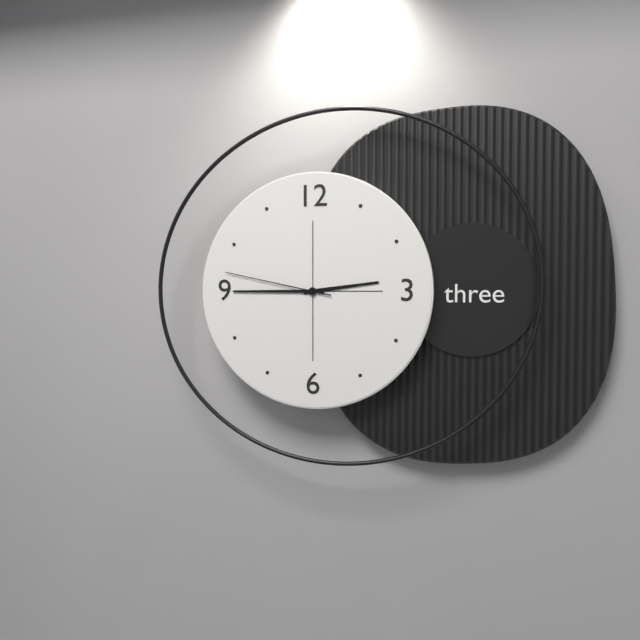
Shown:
h=2 m=45 s=47
